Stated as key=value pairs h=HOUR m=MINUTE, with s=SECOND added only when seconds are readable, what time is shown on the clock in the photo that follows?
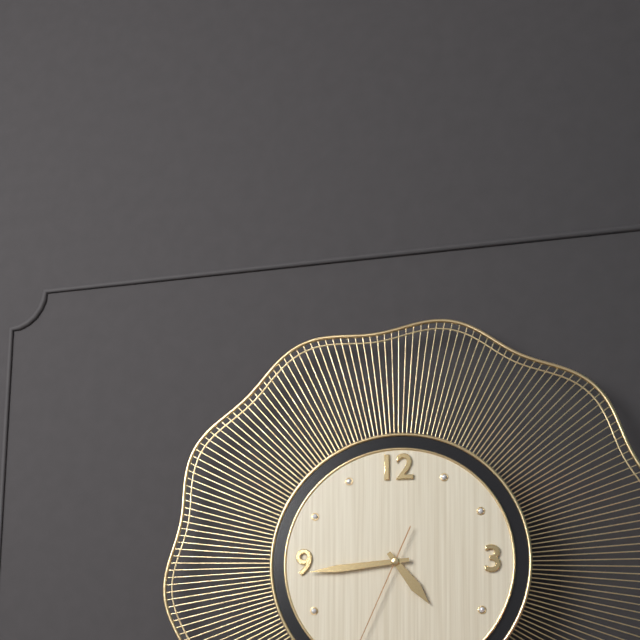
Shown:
h=4 m=44
